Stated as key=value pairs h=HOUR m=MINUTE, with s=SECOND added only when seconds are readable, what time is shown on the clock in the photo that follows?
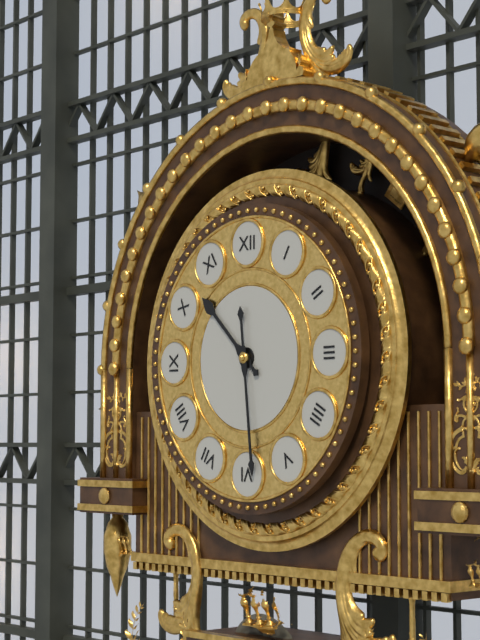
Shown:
h=10 m=29
